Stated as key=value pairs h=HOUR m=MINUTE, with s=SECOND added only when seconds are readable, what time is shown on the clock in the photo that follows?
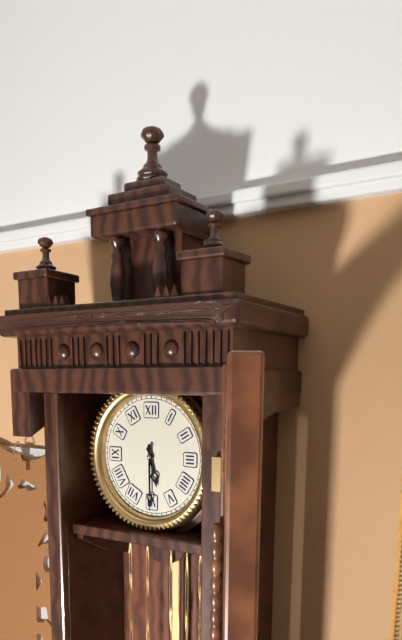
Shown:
h=5 m=30
